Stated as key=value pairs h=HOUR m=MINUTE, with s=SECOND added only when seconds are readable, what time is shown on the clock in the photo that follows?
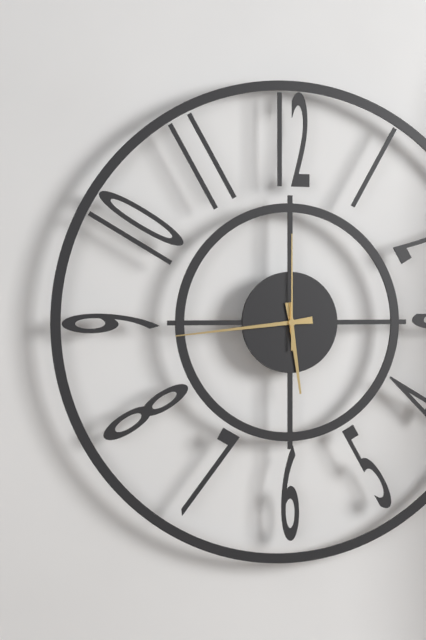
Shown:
h=5 m=44 s=0
